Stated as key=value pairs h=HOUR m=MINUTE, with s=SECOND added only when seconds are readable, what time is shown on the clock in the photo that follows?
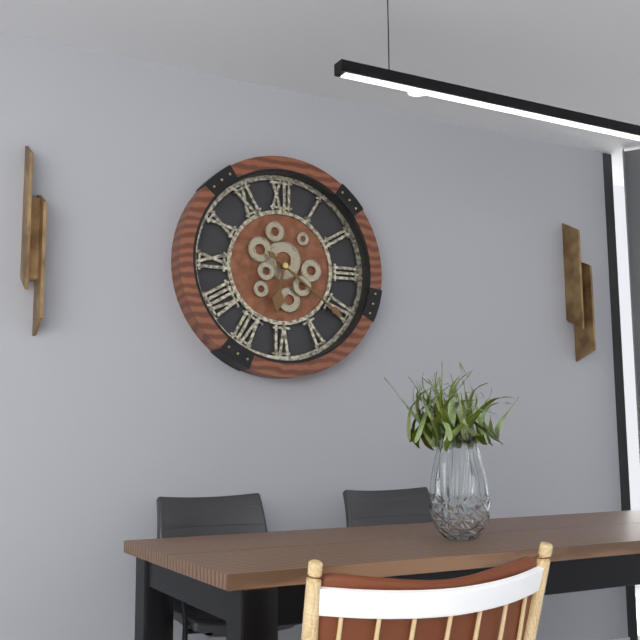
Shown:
h=6 m=21
